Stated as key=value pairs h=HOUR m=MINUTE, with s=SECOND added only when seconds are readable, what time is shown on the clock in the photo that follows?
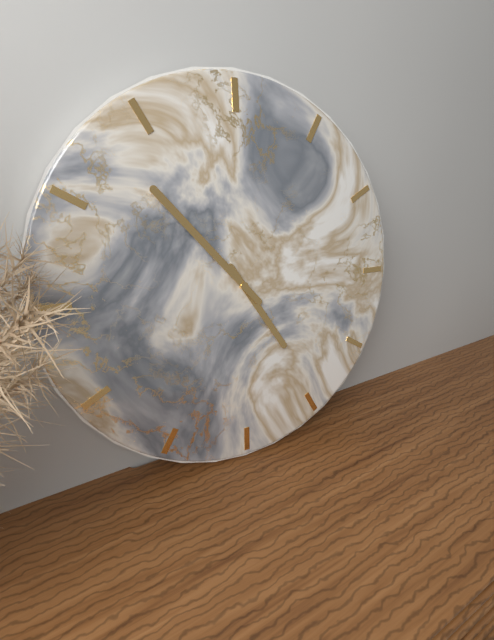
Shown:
h=4 m=53
